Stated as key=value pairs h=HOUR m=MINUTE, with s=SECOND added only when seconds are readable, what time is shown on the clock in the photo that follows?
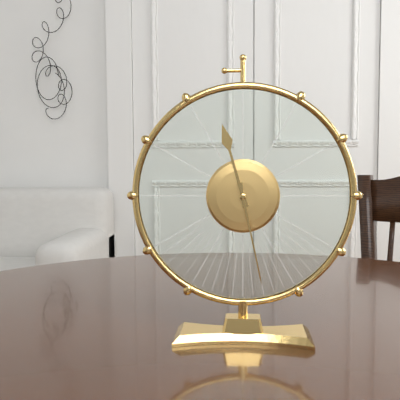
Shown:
h=11 m=28
